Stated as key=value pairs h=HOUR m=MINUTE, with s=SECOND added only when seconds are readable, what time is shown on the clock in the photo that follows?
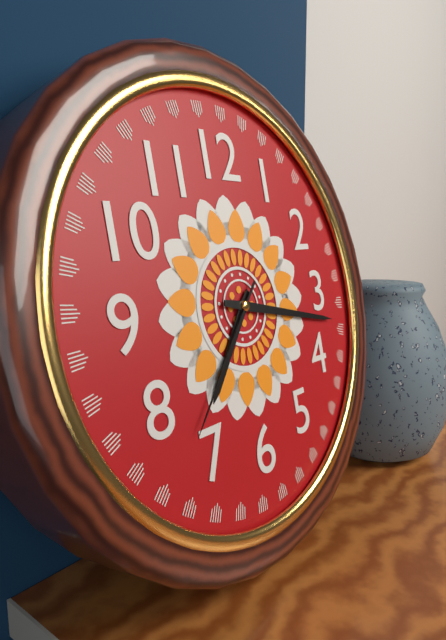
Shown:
h=7 m=17 s=37
